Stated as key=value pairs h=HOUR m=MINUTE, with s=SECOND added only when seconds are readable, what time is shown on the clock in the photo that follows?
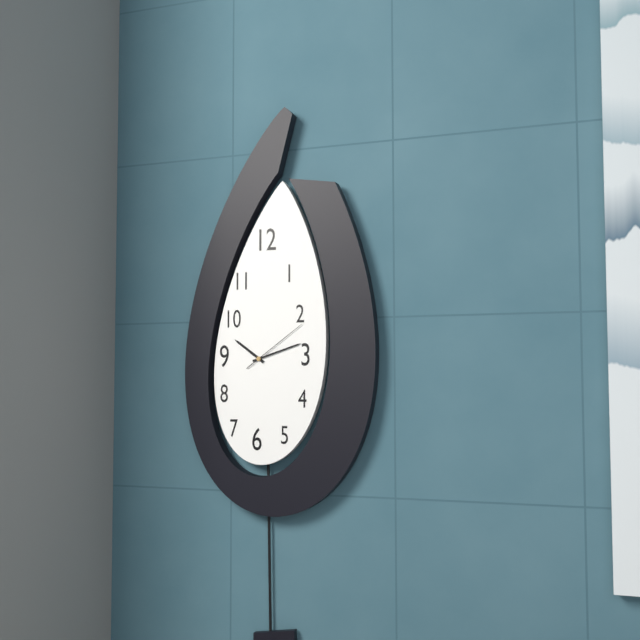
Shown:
h=10 m=12 s=9
